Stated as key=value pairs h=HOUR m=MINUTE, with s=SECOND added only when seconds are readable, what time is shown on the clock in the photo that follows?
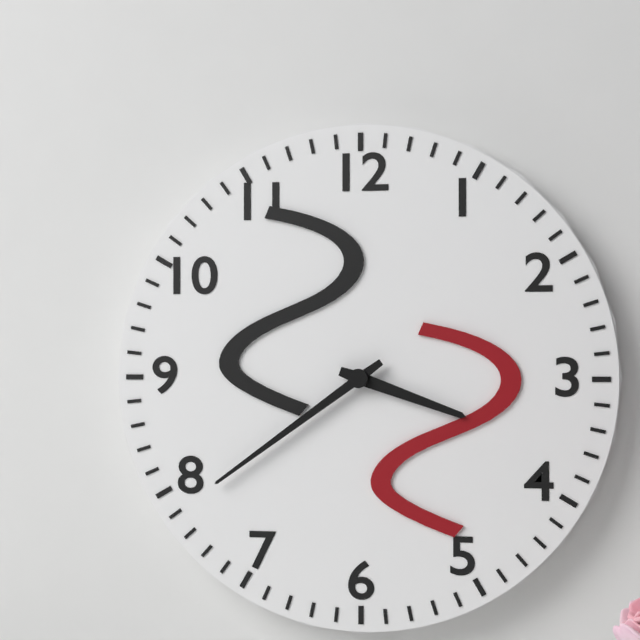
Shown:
h=3 m=39
